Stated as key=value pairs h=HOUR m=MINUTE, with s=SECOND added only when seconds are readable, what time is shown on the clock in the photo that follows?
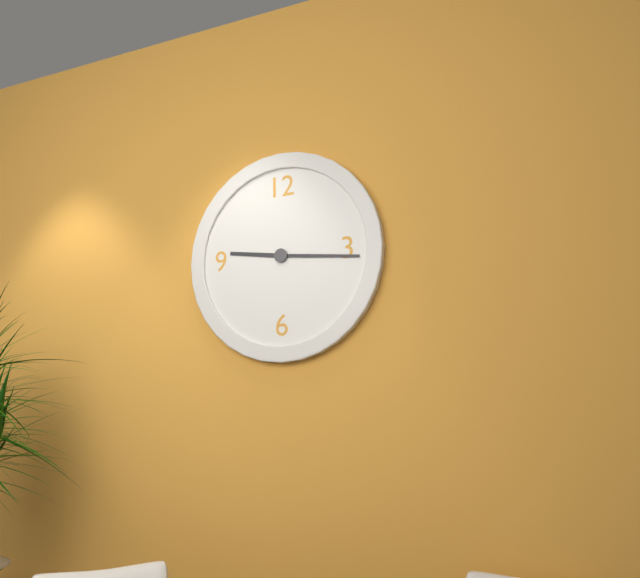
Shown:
h=9 m=16
